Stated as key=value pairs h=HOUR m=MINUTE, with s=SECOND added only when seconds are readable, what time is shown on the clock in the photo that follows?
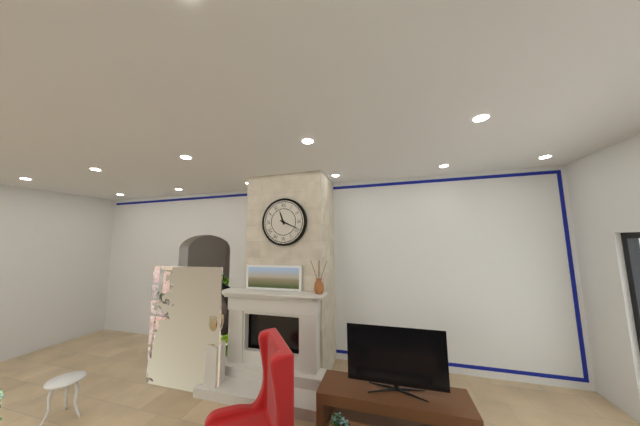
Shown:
h=11 m=19
